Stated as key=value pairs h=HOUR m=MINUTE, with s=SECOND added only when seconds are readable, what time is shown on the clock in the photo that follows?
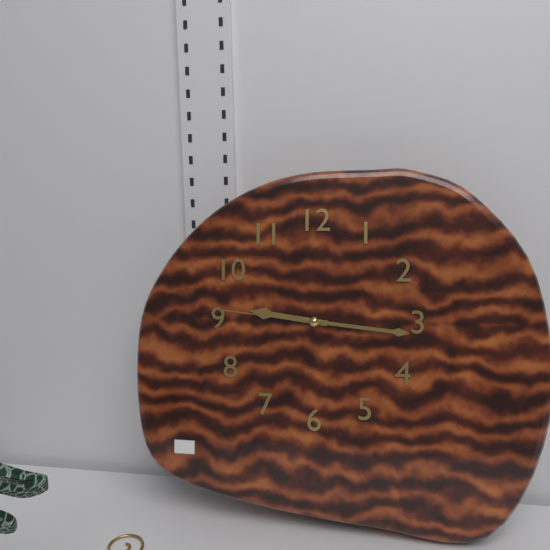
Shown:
h=9 m=16 s=46
